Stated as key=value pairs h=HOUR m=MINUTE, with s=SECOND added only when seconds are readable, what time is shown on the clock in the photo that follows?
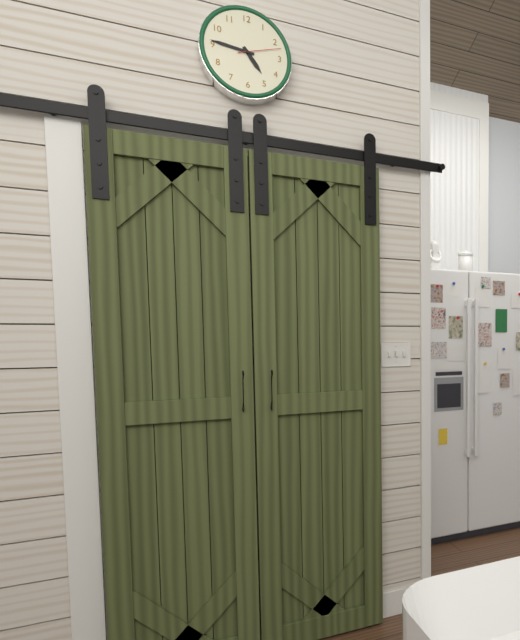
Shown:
h=4 m=46
